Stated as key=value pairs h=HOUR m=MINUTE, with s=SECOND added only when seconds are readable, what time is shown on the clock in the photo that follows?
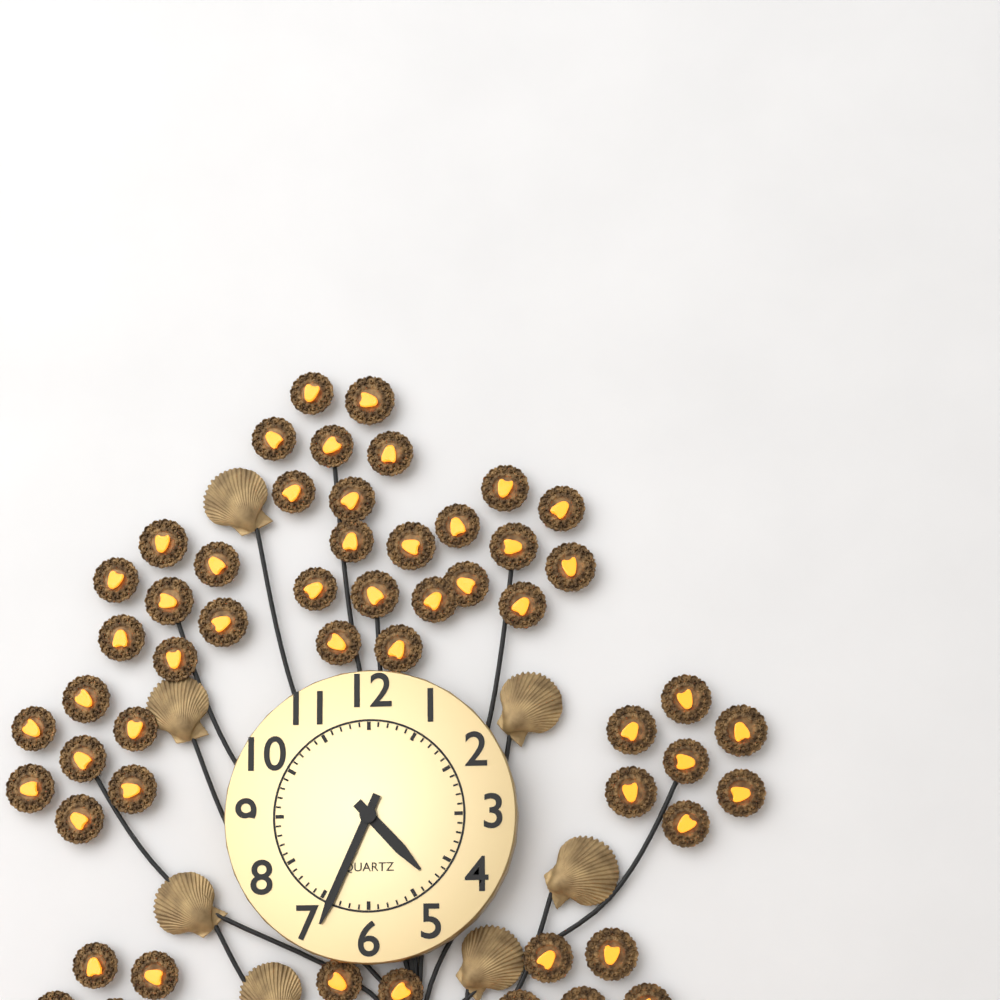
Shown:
h=4 m=34
